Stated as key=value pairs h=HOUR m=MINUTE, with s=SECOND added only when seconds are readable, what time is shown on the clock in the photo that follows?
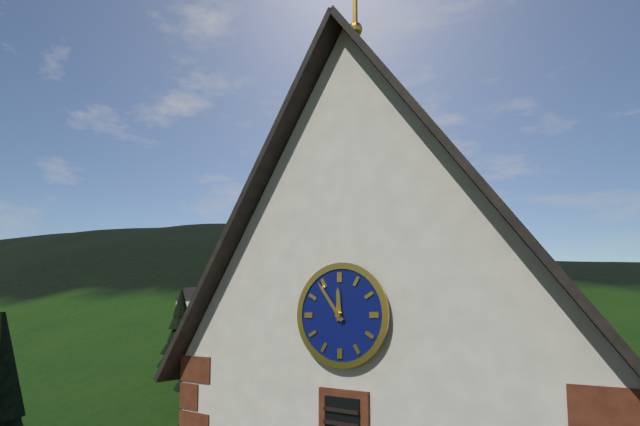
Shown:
h=11 m=54
